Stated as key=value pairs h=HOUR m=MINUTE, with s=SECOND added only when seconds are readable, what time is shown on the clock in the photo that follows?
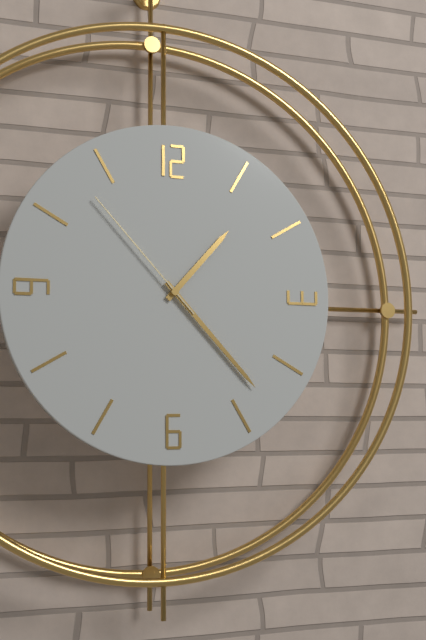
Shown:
h=1 m=23 s=53
